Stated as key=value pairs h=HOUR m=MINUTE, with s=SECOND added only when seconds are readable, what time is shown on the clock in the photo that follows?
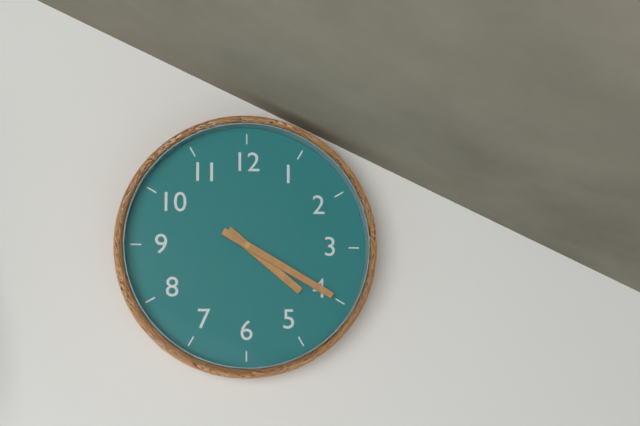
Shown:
h=4 m=20
